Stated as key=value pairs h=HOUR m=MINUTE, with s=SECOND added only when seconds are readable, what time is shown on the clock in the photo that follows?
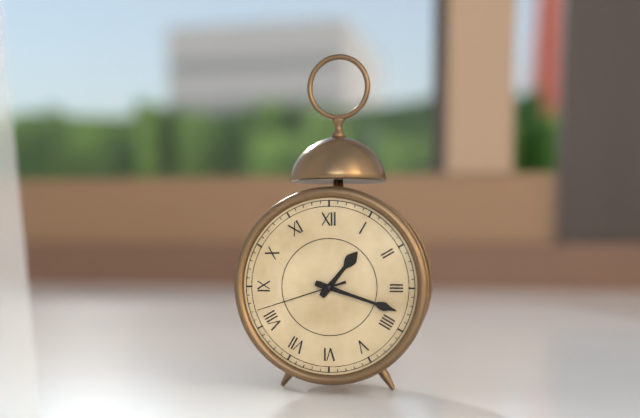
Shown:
h=1 m=18 s=42
